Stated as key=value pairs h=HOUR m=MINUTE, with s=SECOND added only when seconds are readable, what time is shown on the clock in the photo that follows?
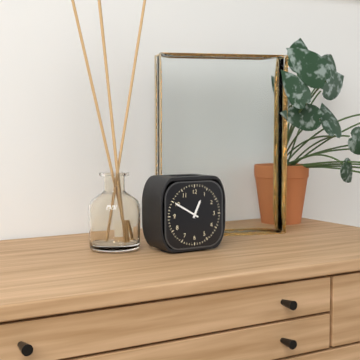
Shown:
h=12 m=50
